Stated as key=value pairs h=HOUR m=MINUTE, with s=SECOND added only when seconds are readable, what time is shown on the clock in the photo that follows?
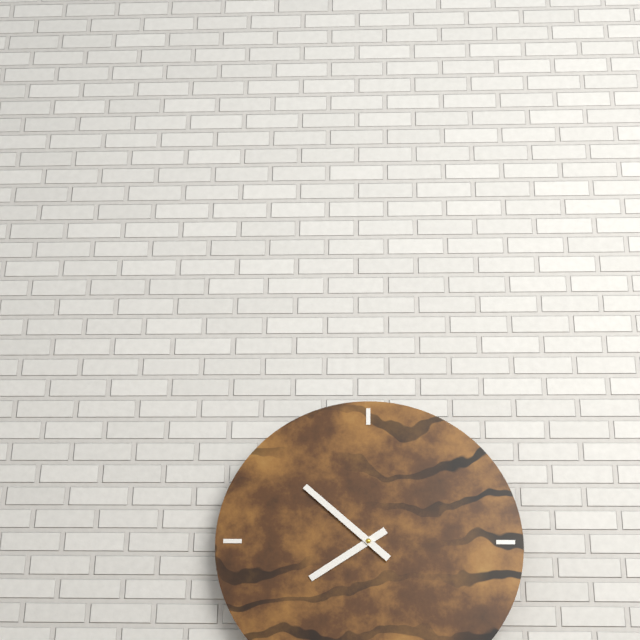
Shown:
h=7 m=52
